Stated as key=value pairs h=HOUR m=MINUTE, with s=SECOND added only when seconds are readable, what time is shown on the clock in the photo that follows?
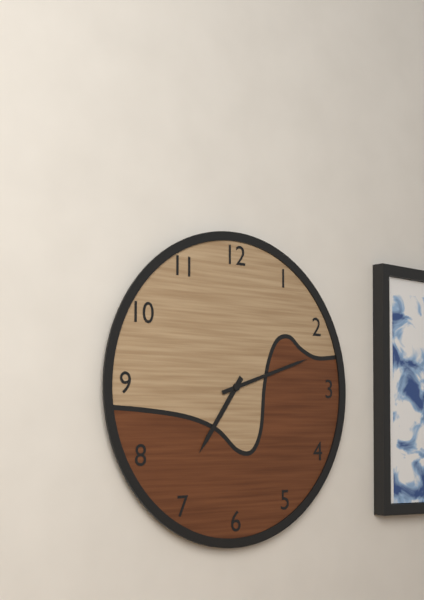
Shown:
h=7 m=12
